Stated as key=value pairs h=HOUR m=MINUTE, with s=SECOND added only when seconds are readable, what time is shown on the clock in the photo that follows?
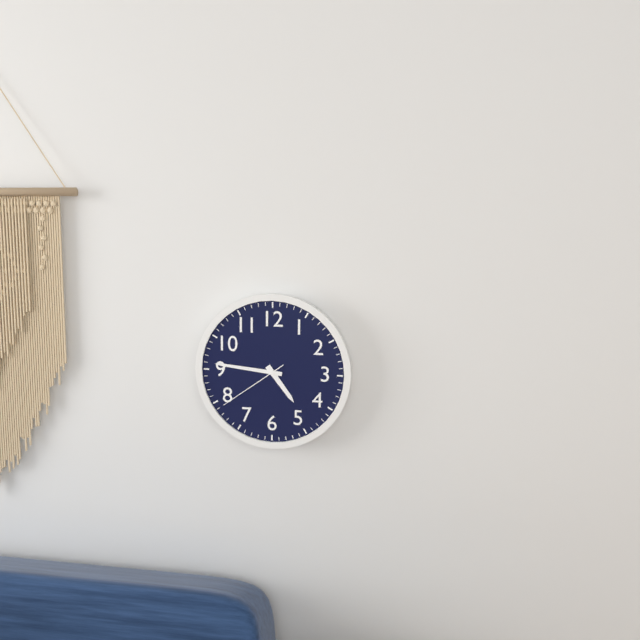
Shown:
h=4 m=46 s=39
